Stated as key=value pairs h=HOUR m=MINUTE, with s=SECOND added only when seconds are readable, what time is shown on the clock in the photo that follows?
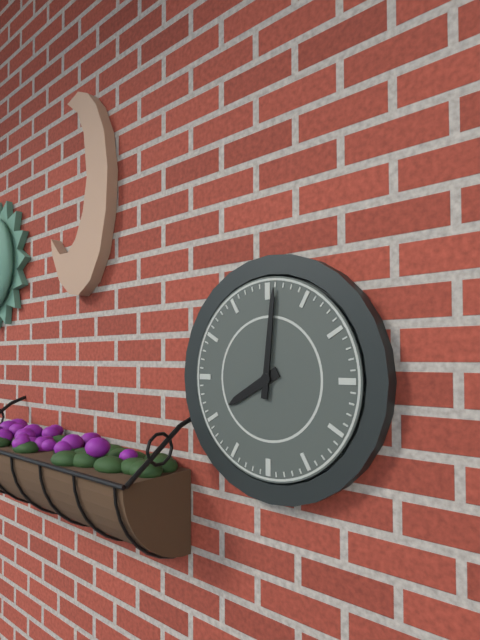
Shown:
h=8 m=1
